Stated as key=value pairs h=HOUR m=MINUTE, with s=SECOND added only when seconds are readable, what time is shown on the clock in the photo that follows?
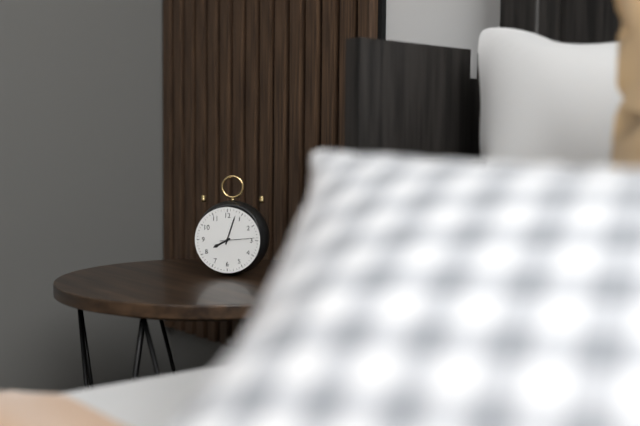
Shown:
h=8 m=3
